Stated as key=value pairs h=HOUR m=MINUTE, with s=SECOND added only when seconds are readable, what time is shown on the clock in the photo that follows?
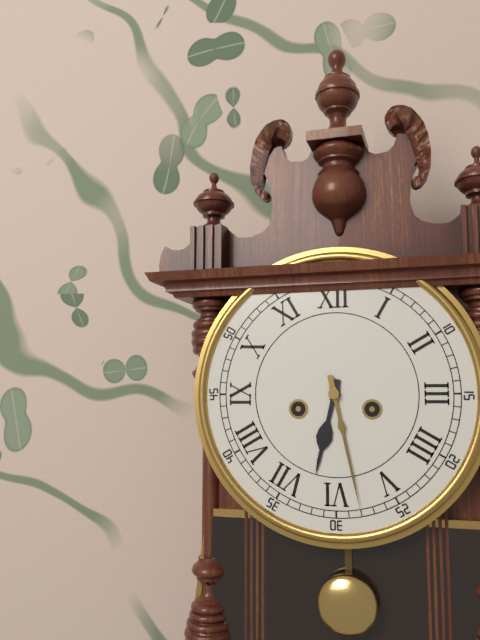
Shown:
h=6 m=28
